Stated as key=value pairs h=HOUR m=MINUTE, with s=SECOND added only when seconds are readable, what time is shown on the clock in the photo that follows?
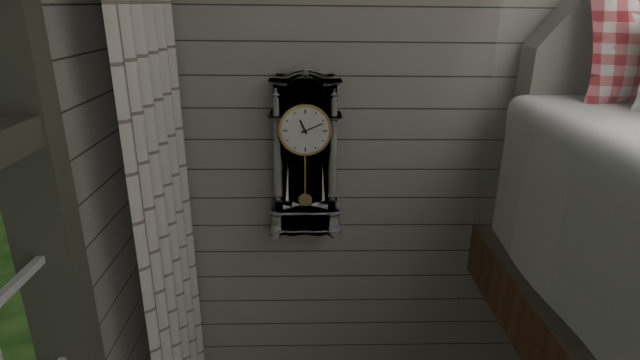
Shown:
h=11 m=11
